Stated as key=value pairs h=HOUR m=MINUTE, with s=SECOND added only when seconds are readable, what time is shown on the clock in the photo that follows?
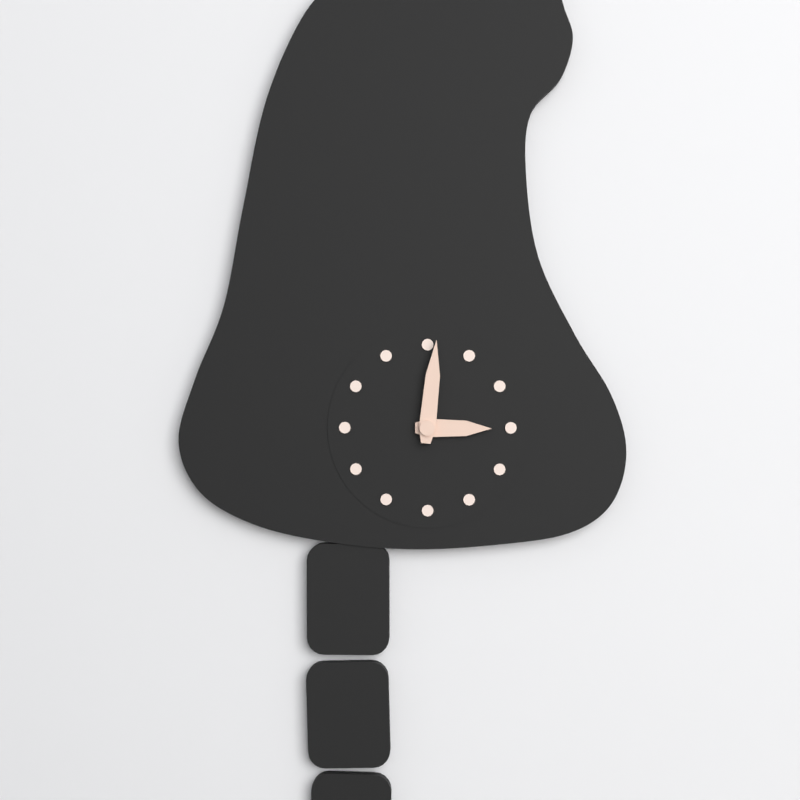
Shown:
h=3 m=1
